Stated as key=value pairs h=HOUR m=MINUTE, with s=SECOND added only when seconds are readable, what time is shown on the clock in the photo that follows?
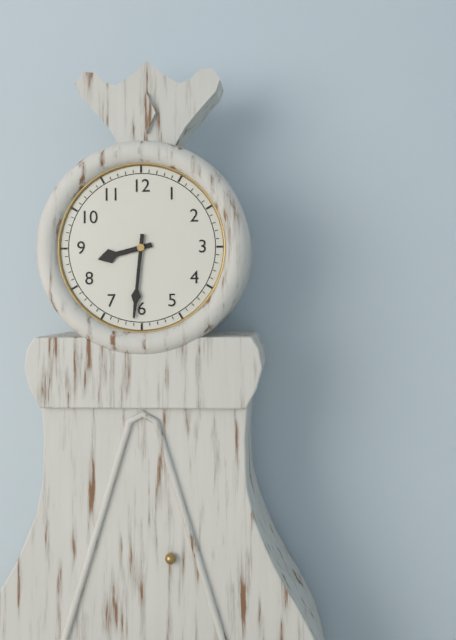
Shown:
h=8 m=31
